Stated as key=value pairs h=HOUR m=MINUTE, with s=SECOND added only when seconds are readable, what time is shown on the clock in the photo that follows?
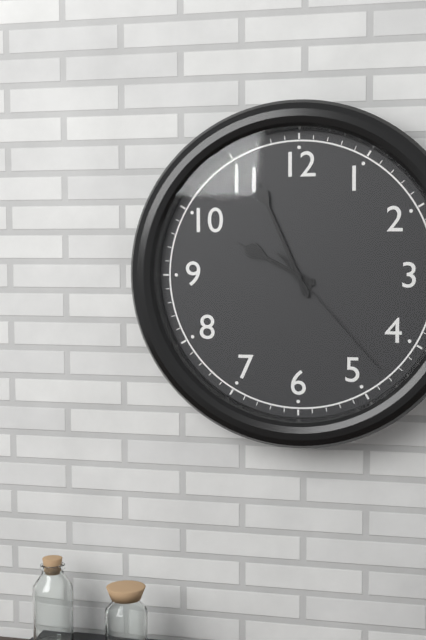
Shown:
h=9 m=56 s=23
